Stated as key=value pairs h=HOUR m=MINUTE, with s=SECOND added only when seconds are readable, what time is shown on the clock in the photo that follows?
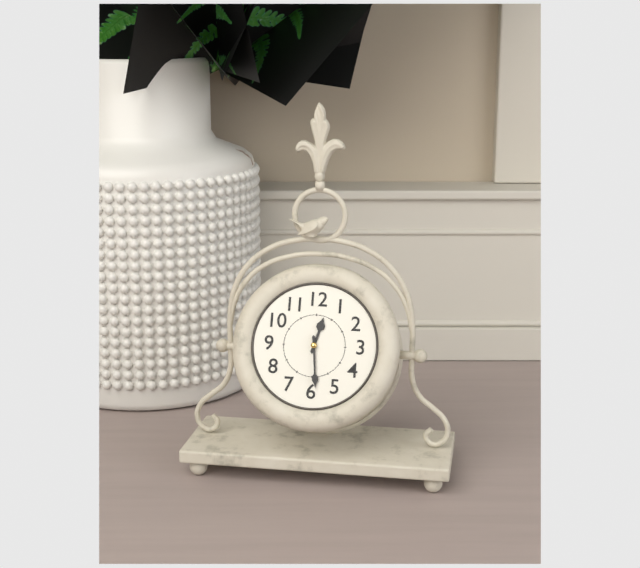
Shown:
h=12 m=29
